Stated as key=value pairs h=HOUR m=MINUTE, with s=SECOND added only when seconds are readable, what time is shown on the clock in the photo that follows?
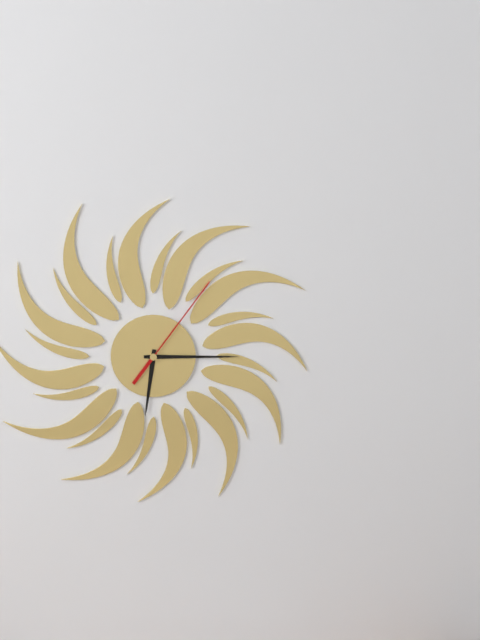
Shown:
h=6 m=15 s=6
